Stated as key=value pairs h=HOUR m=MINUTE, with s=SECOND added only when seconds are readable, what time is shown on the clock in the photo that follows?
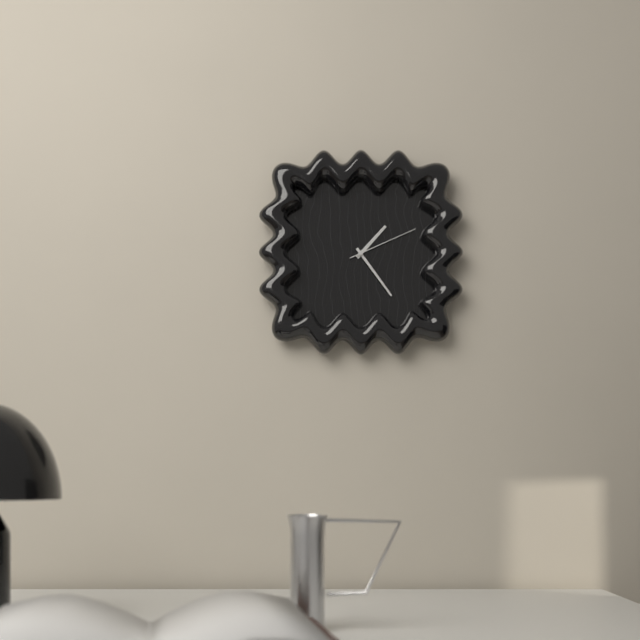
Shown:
h=1 m=24 s=11
